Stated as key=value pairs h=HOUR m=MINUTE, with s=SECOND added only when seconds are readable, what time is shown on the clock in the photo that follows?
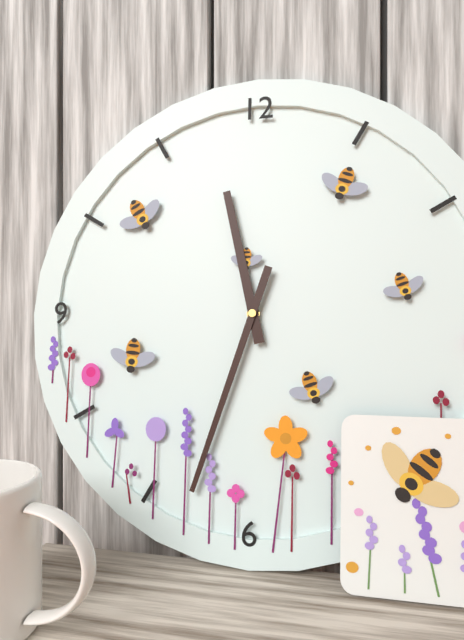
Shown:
h=11 m=33
